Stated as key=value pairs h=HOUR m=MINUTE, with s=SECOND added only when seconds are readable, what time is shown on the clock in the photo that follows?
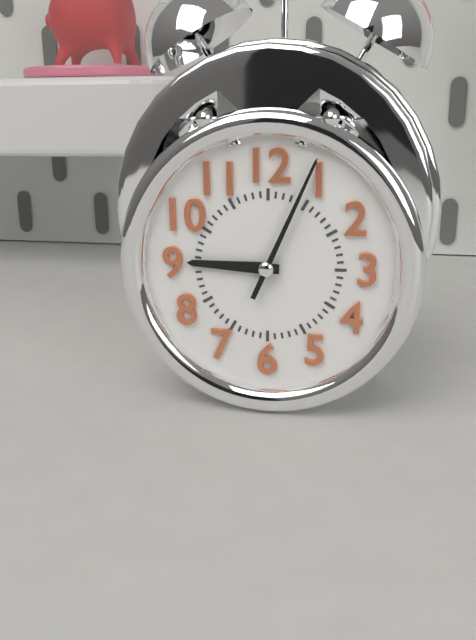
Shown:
h=9 m=4
